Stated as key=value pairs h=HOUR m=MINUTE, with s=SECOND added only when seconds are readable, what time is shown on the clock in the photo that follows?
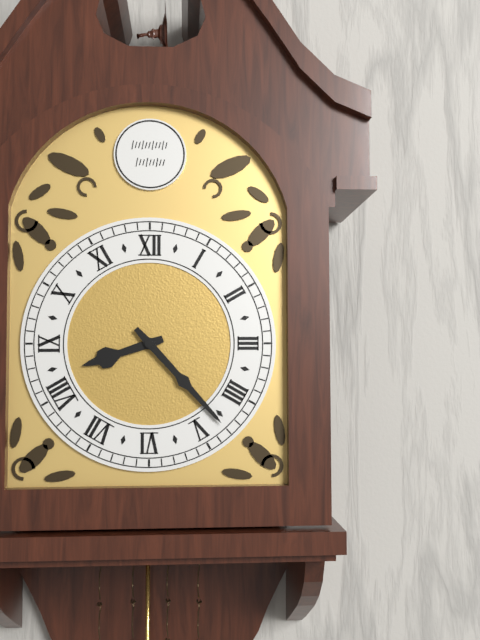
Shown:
h=8 m=23
